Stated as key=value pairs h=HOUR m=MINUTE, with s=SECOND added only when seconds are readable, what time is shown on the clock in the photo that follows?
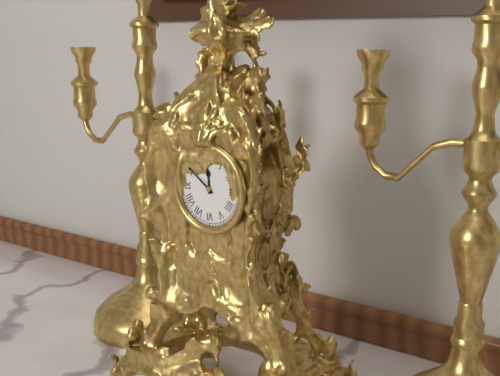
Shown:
h=11 m=51
